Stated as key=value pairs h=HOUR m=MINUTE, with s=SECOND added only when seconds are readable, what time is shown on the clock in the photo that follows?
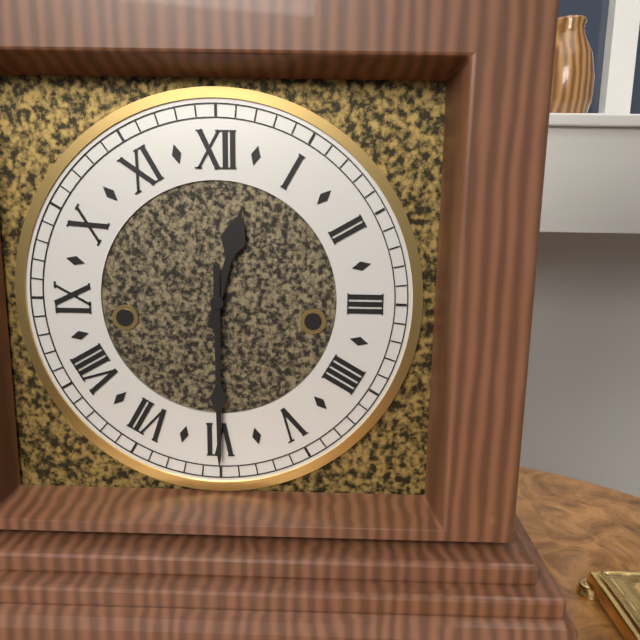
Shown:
h=12 m=30
